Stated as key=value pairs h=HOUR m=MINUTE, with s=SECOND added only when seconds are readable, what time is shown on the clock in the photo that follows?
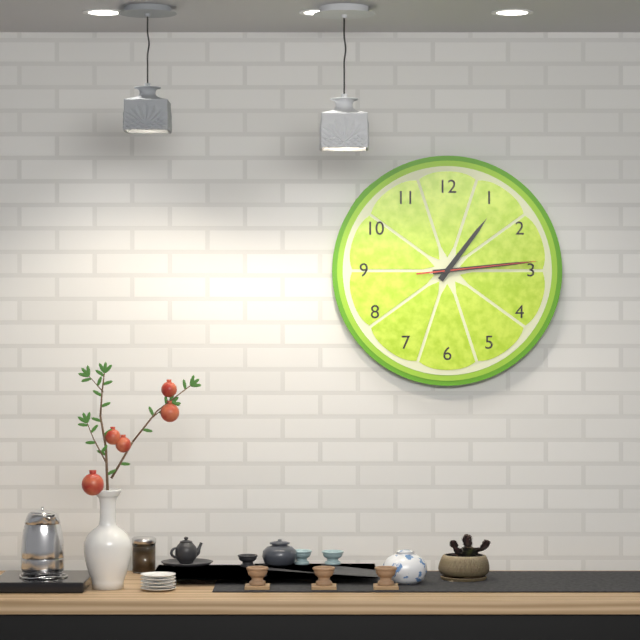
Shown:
h=1 m=14 s=14
